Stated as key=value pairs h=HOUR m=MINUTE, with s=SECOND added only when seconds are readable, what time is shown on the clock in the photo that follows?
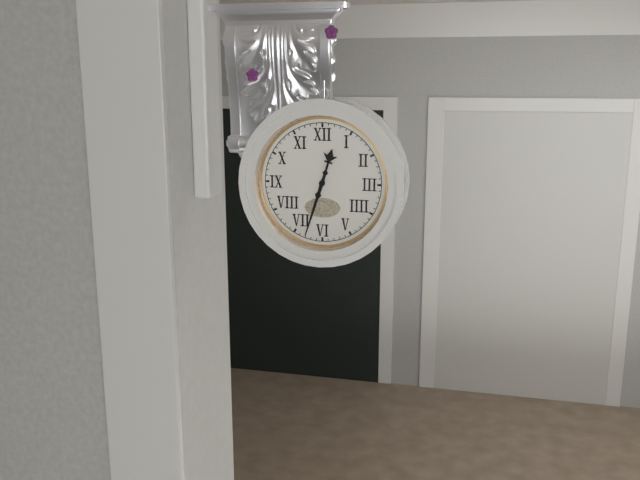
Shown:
h=12 m=33
